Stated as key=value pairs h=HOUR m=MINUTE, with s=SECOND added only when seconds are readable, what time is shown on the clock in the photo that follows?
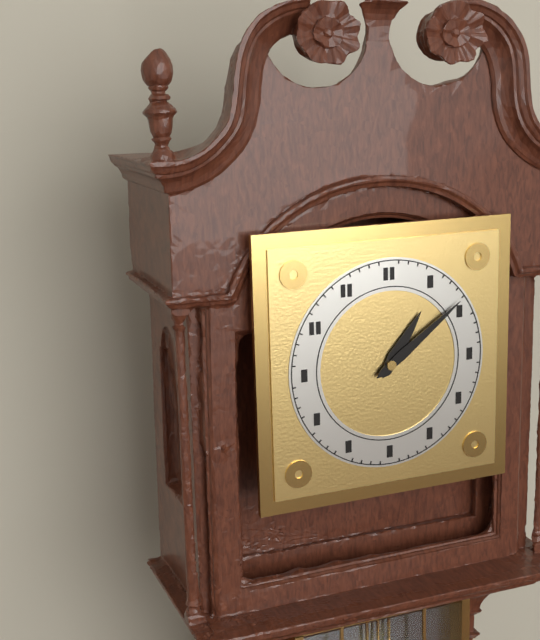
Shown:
h=1 m=9
